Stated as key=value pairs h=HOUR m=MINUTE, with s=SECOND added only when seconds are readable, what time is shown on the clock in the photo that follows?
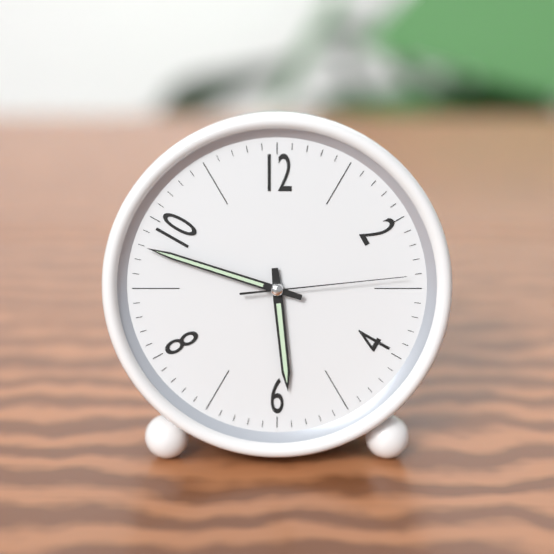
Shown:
h=5 m=48 s=14
